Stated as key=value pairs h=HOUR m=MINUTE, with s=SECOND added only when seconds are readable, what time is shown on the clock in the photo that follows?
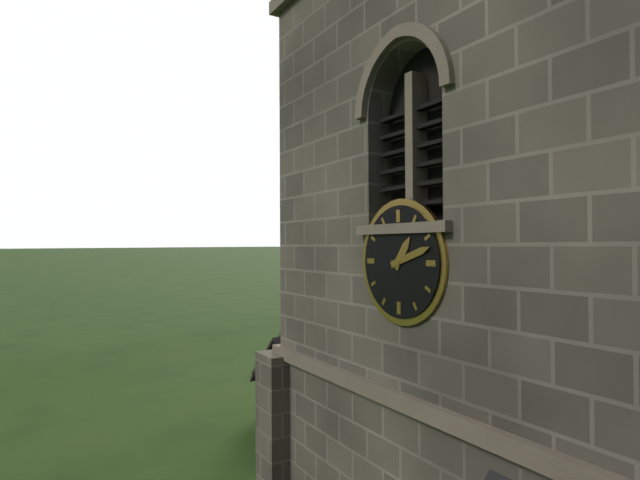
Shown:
h=1 m=12
